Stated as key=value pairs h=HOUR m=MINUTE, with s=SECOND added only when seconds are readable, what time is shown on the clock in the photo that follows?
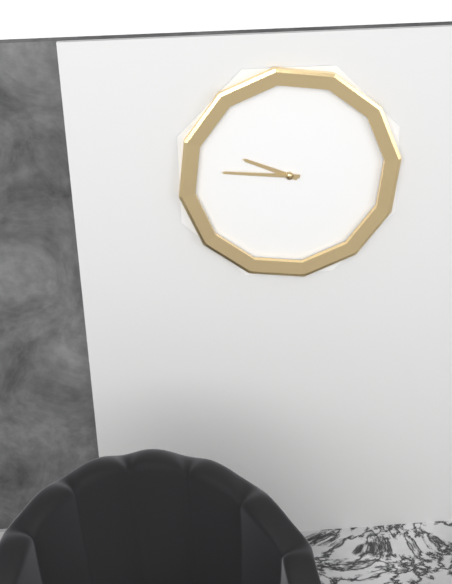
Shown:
h=9 m=46
